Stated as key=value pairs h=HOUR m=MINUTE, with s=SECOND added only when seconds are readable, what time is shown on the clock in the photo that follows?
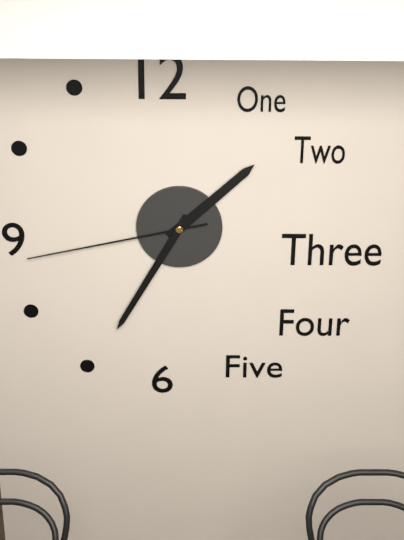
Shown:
h=1 m=35 s=43
